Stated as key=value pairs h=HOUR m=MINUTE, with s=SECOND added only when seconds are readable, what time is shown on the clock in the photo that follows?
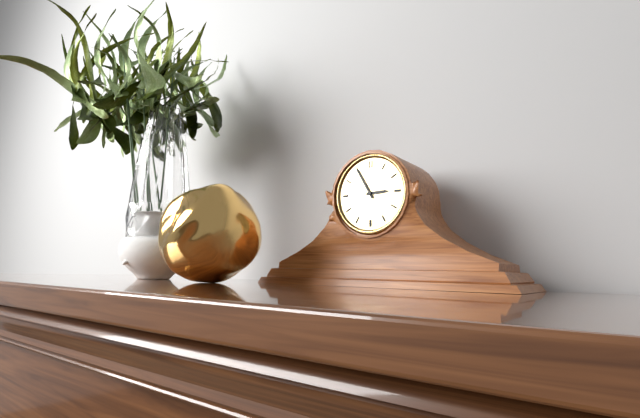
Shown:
h=2 m=55
